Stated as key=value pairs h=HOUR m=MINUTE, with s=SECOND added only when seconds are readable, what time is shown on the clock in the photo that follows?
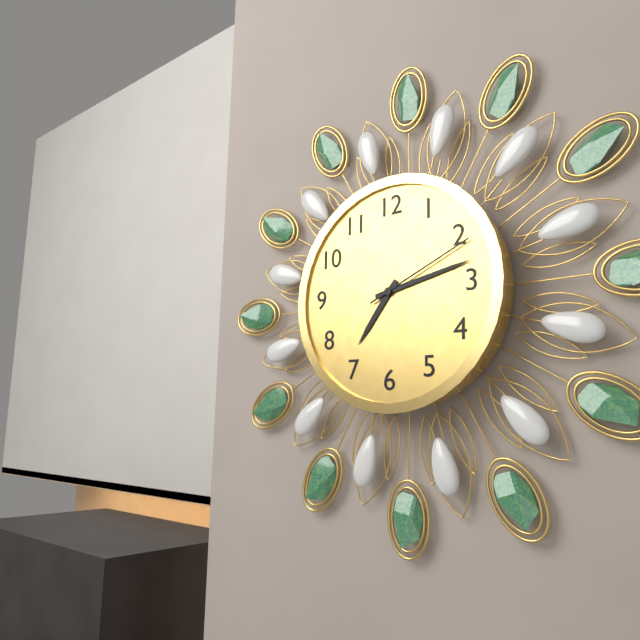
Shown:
h=7 m=13 s=11
